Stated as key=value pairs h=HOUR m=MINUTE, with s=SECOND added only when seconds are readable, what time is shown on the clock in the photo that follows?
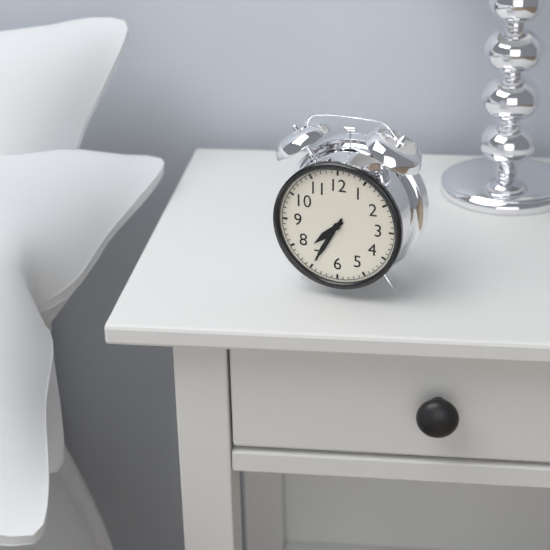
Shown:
h=7 m=35
